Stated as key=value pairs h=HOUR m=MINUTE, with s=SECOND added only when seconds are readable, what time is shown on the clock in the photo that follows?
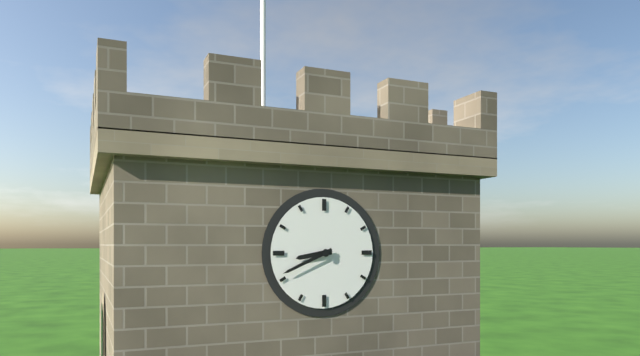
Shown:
h=8 m=41
